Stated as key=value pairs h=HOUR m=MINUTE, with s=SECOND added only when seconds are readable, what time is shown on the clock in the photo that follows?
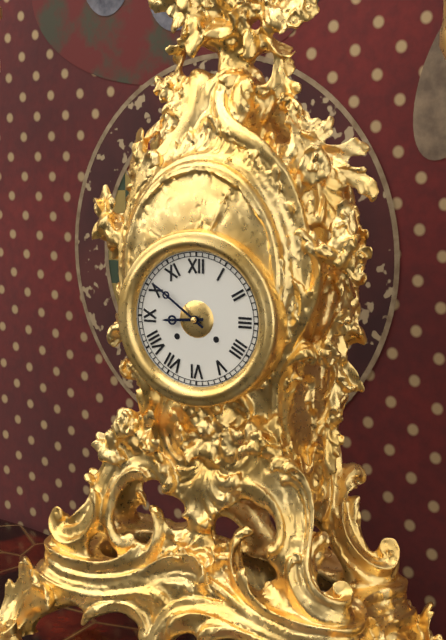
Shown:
h=8 m=51
